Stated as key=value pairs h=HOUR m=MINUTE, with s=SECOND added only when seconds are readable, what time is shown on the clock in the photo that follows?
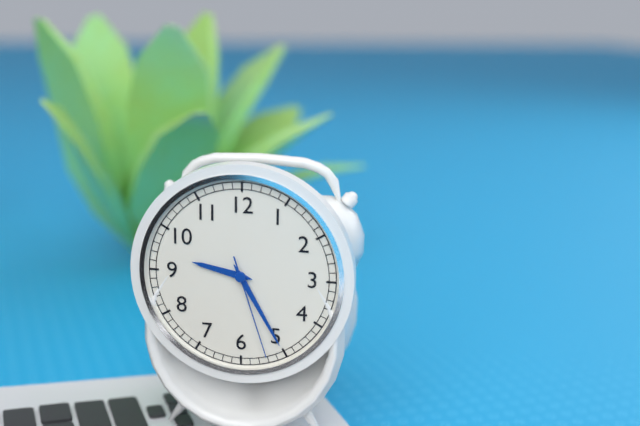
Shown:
h=9 m=25 s=27
